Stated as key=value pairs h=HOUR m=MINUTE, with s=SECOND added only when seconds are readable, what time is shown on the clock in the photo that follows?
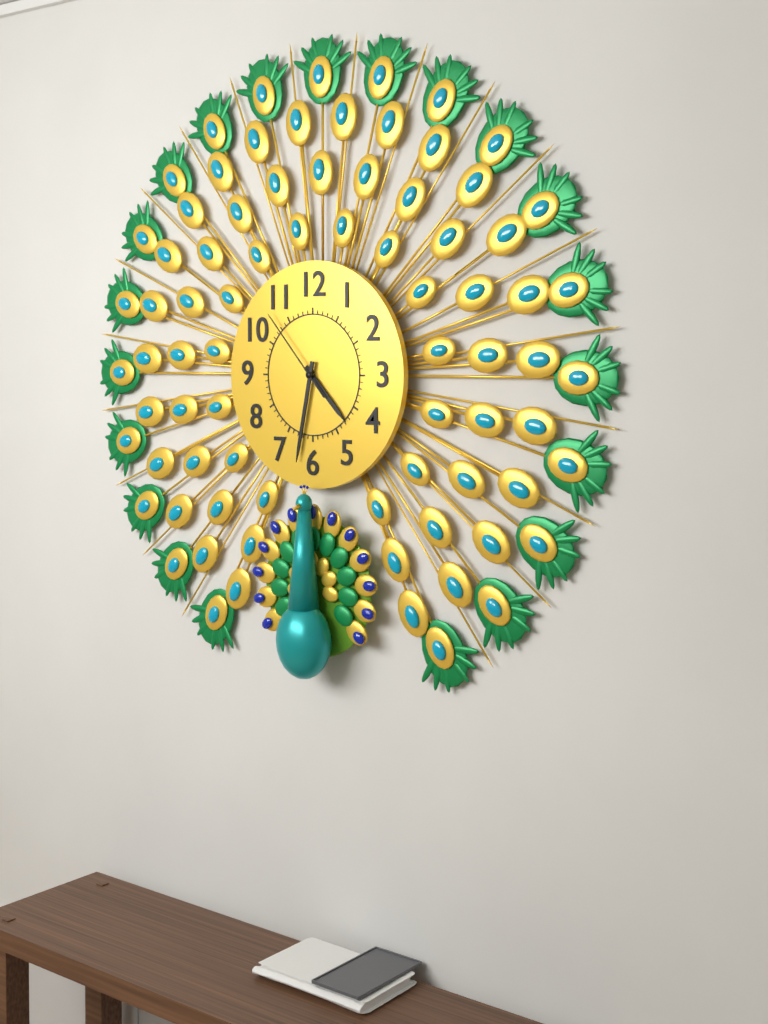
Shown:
h=4 m=32 s=53
